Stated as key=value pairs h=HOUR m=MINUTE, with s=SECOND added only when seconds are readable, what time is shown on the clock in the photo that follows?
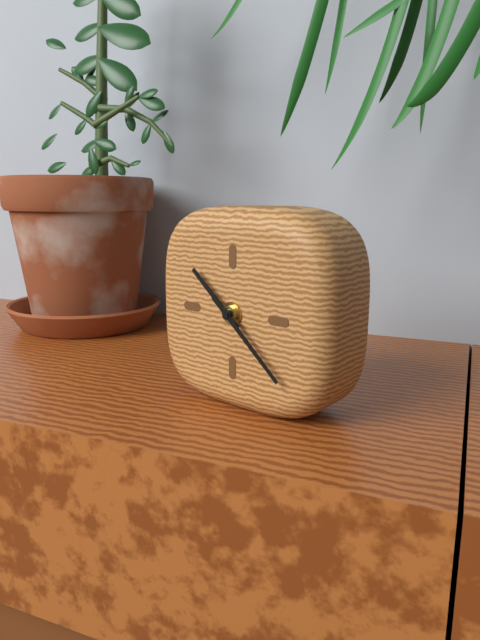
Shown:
h=10 m=22
